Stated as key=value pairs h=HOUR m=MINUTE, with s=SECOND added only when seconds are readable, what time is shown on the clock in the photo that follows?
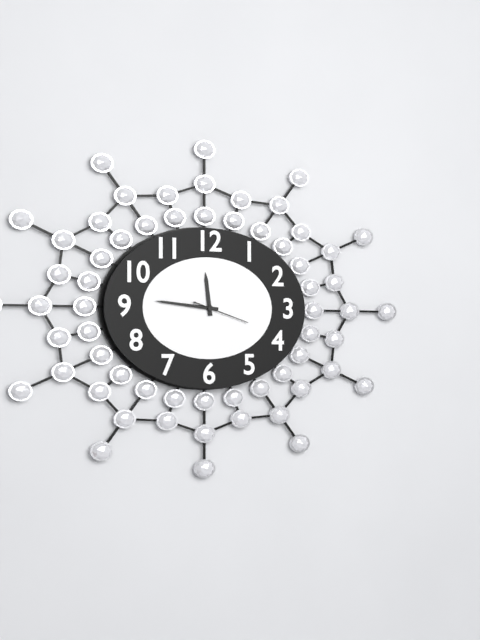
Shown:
h=11 m=46 s=18
